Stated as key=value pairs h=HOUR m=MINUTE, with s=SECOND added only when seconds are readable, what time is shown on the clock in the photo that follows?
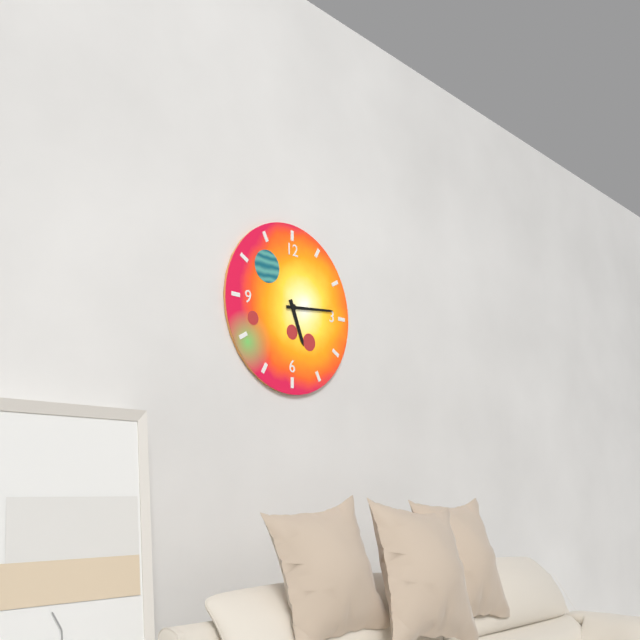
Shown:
h=5 m=14
